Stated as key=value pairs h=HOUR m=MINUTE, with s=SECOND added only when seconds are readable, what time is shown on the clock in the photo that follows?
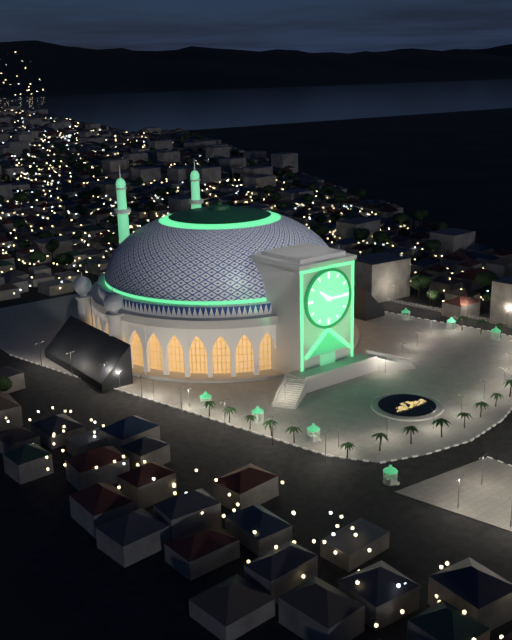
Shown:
h=10 m=15
